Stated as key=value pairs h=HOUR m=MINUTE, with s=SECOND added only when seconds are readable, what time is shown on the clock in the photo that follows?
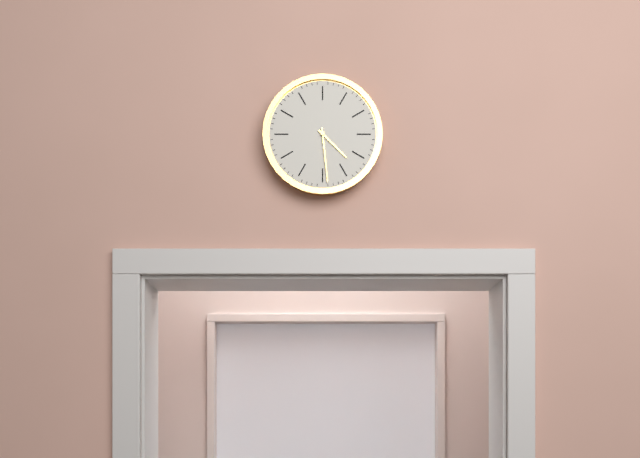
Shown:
h=4 m=29
